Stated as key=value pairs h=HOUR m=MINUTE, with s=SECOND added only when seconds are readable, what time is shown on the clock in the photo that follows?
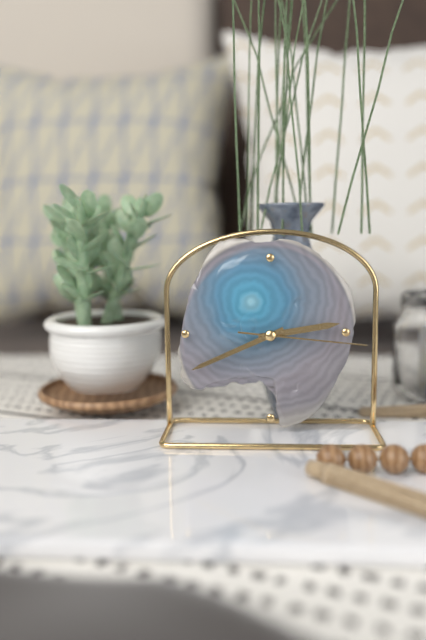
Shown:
h=2 m=41 s=16
